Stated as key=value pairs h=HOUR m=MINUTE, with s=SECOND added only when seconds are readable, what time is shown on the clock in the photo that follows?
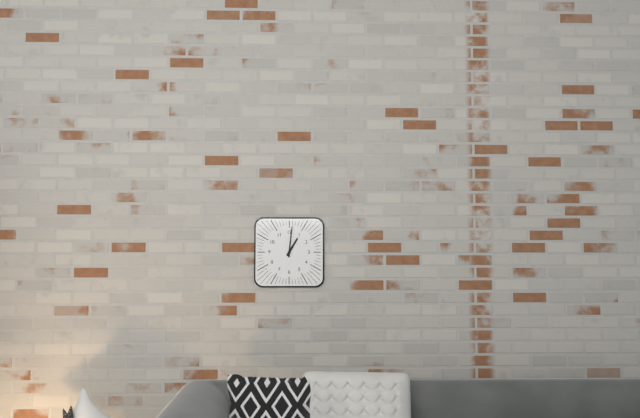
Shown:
h=1 m=1
